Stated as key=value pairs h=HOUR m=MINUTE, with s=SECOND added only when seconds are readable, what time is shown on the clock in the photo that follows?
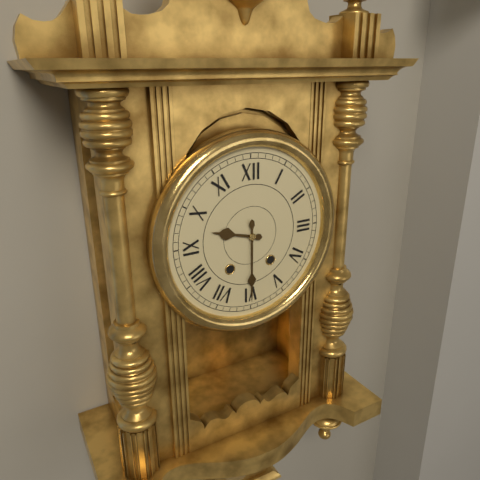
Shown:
h=9 m=30
